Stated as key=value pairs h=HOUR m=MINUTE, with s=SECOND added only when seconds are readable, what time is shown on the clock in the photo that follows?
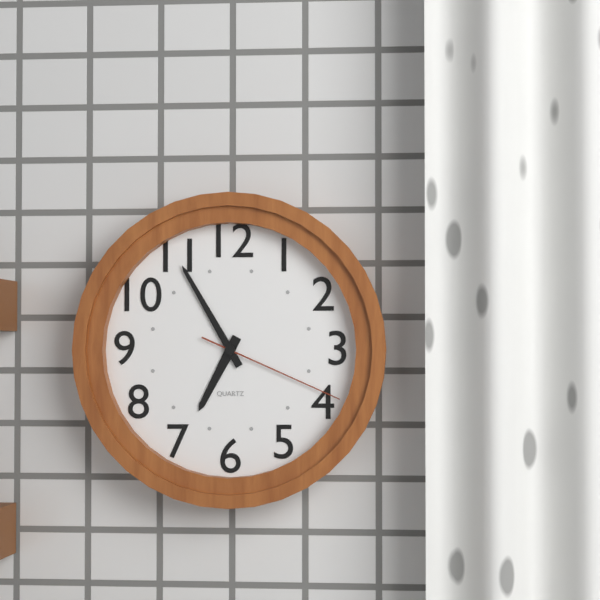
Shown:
h=6 m=55 s=19
